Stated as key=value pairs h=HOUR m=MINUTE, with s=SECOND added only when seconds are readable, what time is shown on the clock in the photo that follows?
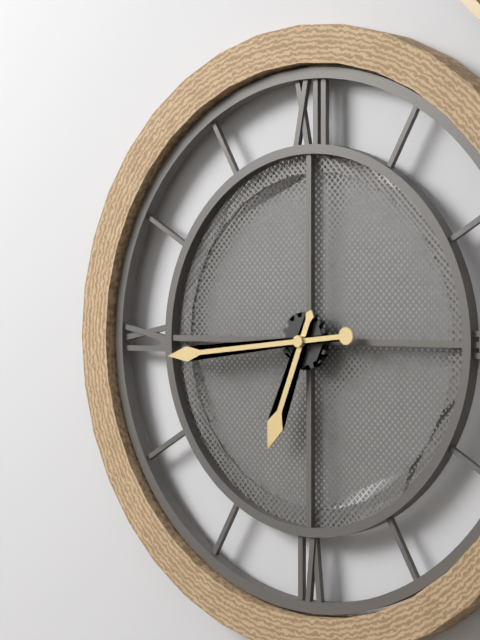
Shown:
h=6 m=44
